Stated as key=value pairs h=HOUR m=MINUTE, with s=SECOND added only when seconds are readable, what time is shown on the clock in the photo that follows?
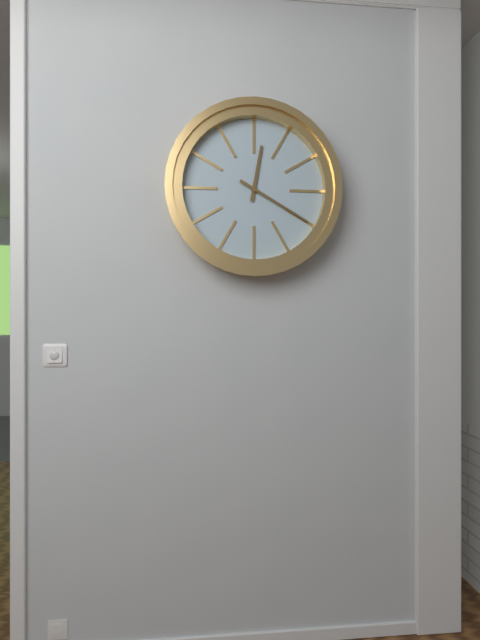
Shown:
h=12 m=20
